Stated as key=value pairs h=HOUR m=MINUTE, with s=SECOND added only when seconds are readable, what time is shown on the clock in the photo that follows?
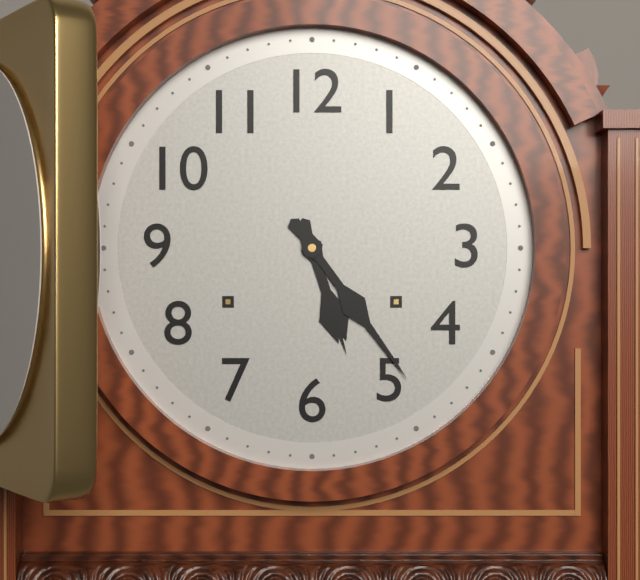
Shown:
h=5 m=24
